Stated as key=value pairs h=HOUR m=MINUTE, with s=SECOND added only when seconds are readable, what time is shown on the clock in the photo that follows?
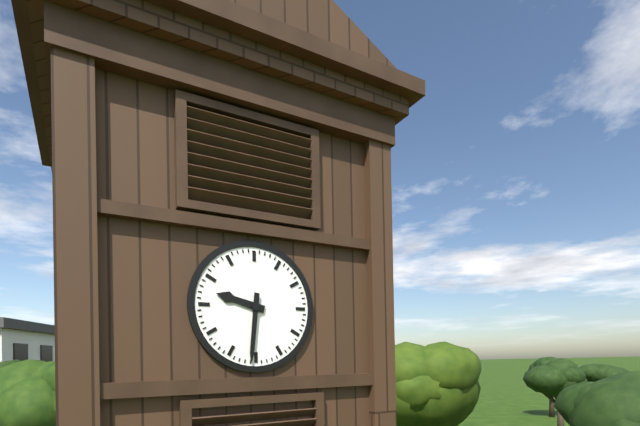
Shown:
h=9 m=31
